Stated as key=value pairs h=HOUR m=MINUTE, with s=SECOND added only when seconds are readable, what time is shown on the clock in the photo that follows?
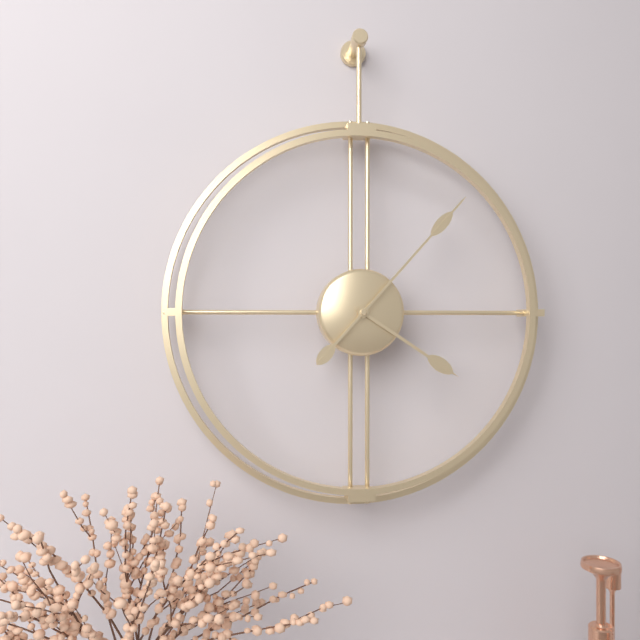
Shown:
h=4 m=7
